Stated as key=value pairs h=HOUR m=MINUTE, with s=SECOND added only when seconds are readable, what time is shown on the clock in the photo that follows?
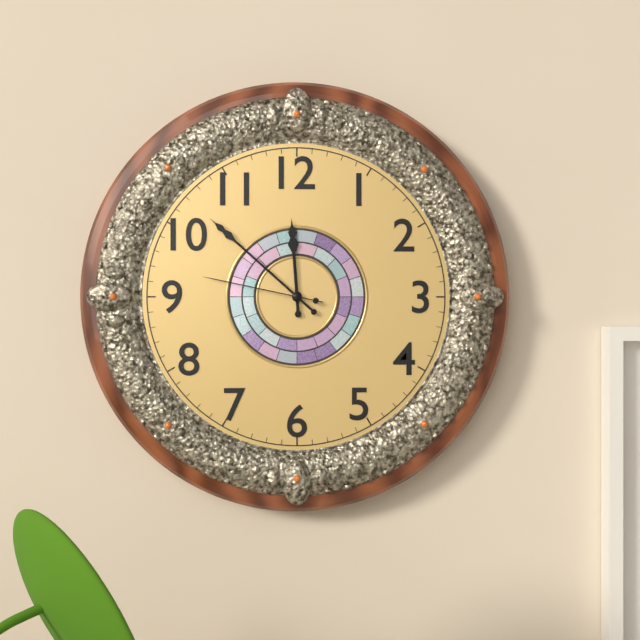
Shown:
h=11 m=52 s=47
